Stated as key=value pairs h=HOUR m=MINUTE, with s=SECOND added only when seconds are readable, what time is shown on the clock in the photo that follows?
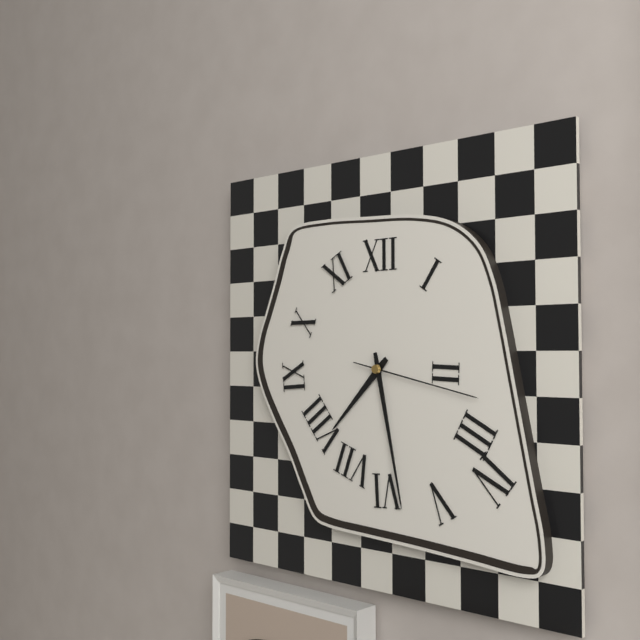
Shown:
h=7 m=28 s=17
